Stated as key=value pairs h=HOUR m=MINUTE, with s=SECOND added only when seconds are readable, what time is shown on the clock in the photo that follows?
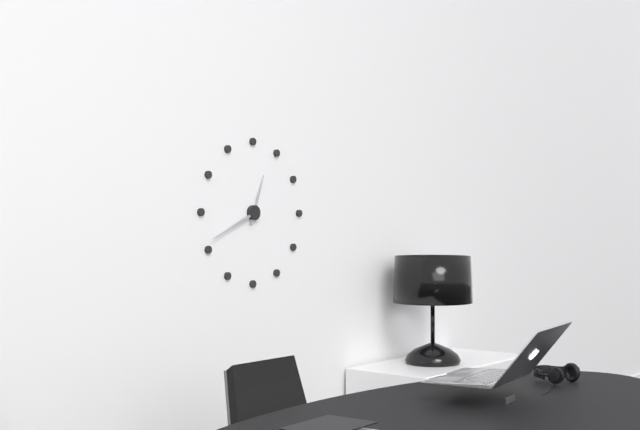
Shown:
h=12 m=41
